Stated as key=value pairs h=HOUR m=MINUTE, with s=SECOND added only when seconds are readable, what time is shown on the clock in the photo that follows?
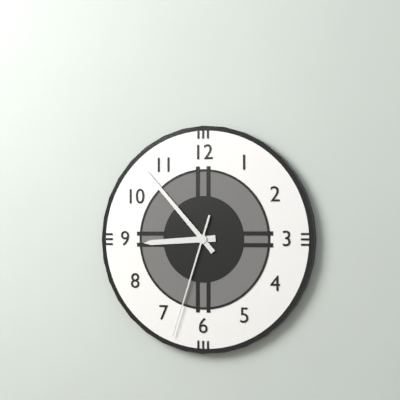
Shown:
h=8 m=53 s=33
